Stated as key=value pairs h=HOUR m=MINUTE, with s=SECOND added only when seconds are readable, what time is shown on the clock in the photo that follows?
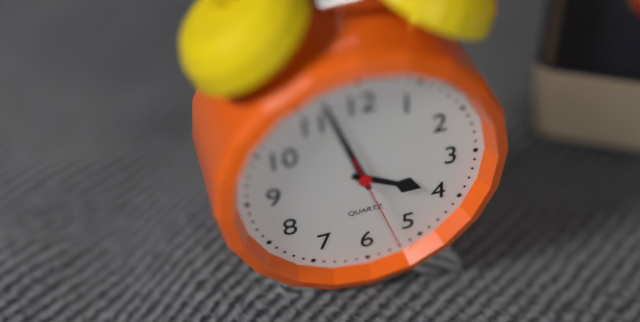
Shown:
h=3 m=57 s=27
